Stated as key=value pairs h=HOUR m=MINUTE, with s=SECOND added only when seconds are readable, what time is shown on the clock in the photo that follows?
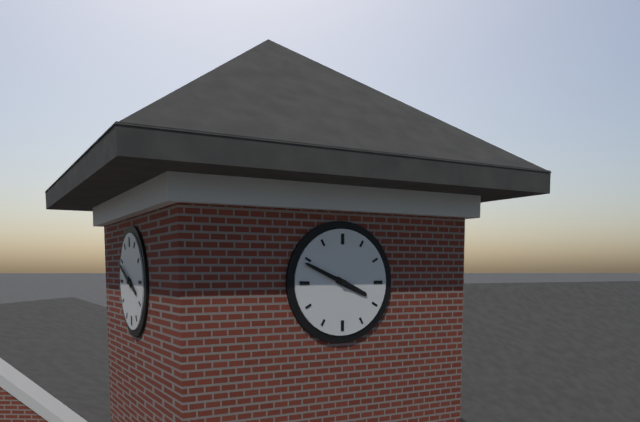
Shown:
h=3 m=49
